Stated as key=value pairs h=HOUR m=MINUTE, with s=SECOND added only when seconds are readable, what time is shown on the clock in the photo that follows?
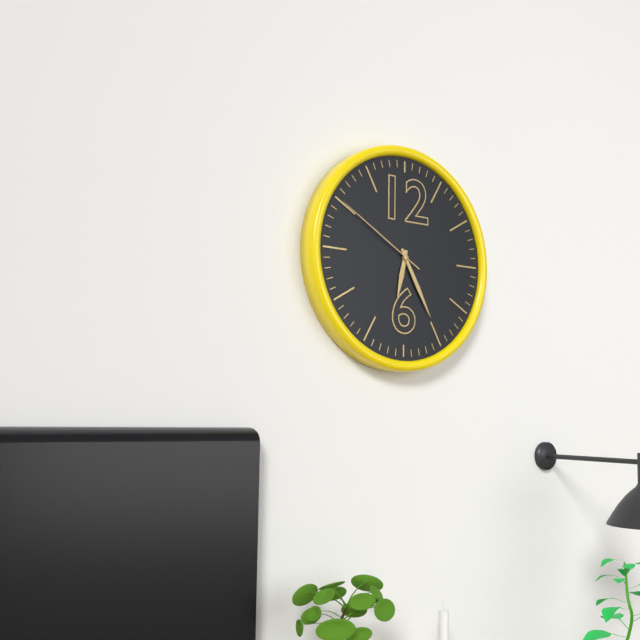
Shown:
h=6 m=25 s=50
